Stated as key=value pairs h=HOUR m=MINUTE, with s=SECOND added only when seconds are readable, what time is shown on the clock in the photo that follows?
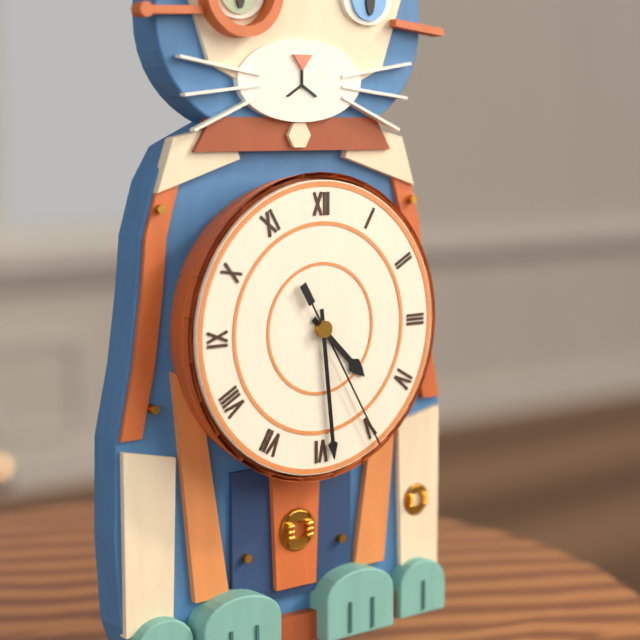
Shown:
h=4 m=29 s=25
